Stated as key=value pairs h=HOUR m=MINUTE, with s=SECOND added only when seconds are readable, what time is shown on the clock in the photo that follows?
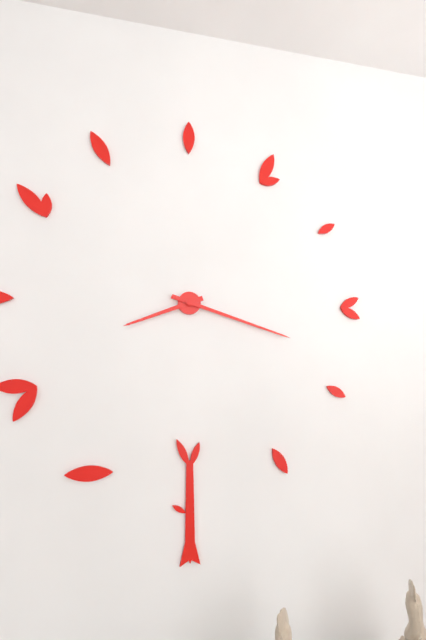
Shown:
h=8 m=18
